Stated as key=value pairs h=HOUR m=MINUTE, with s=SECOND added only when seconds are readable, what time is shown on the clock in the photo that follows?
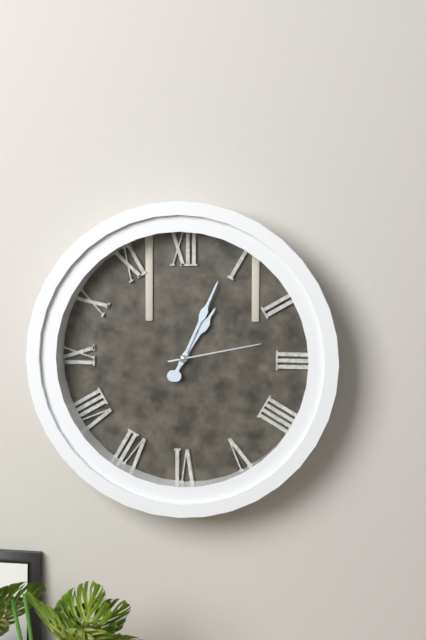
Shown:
h=1 m=4 s=13
